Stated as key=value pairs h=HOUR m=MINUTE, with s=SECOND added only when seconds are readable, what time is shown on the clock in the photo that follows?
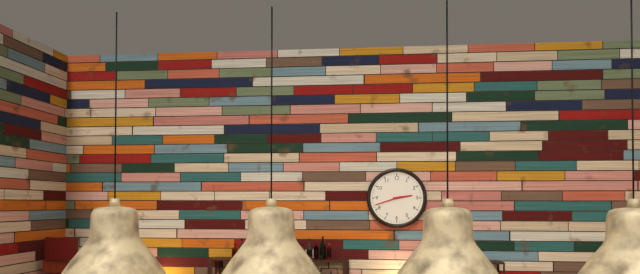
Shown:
h=2 m=42
